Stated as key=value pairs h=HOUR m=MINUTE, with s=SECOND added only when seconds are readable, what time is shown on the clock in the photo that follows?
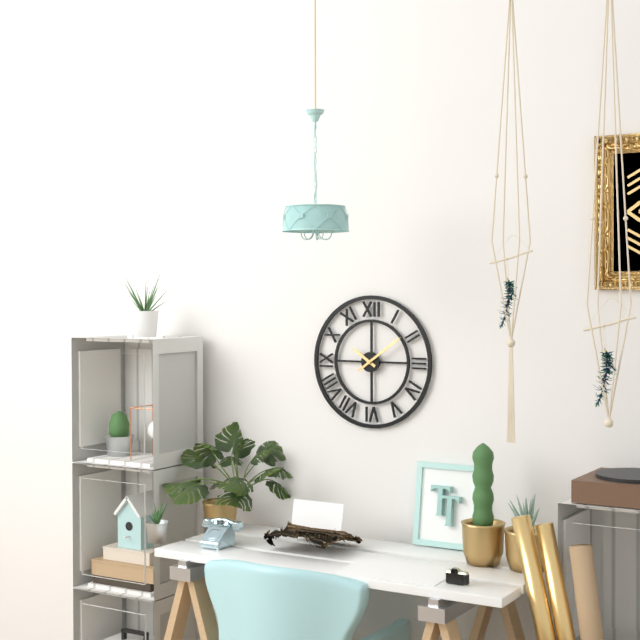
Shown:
h=10 m=9
